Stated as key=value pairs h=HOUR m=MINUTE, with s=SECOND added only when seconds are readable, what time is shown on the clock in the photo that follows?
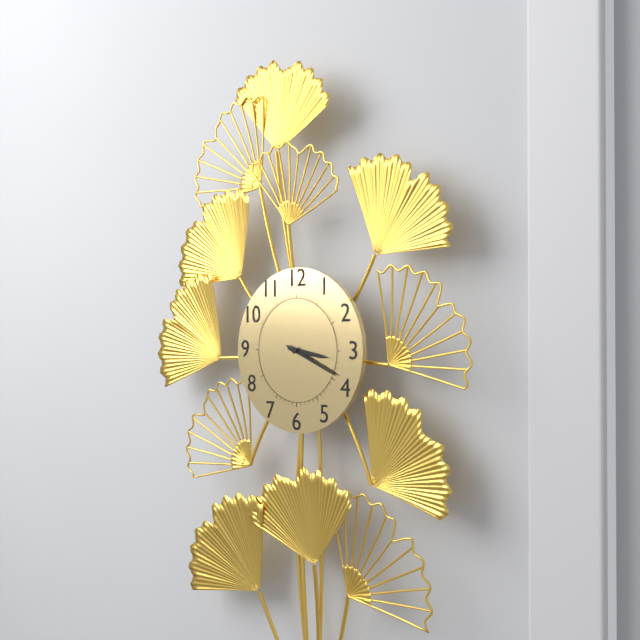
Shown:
h=3 m=19
